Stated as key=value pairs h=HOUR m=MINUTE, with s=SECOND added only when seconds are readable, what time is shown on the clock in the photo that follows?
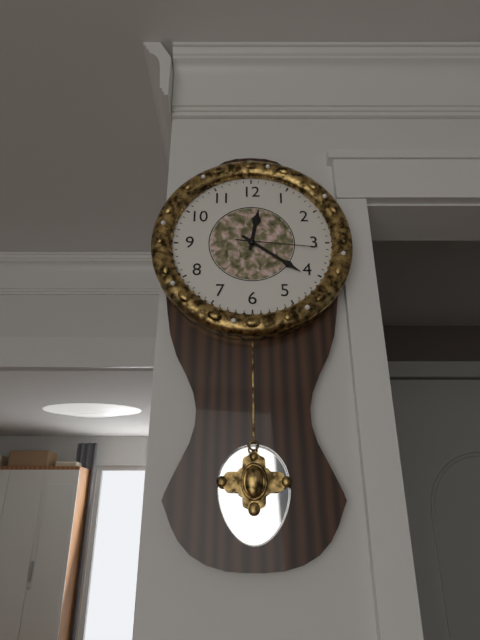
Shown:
h=12 m=21 s=16
